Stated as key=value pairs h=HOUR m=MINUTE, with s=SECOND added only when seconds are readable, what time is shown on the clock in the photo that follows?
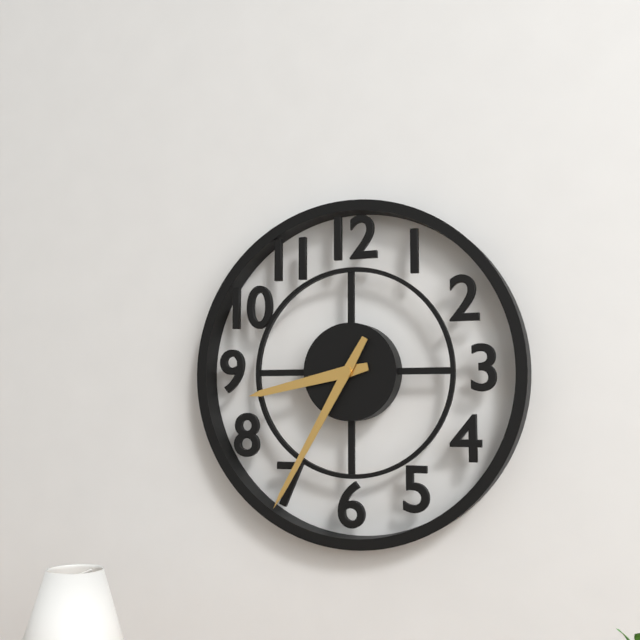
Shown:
h=8 m=35
